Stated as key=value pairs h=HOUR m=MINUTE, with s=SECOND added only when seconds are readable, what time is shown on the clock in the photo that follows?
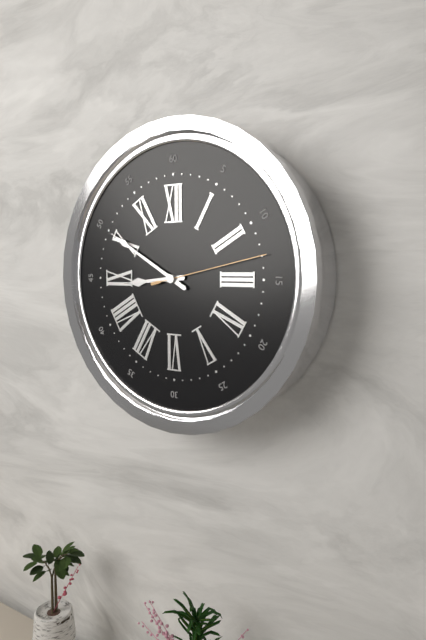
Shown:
h=8 m=50 s=13
